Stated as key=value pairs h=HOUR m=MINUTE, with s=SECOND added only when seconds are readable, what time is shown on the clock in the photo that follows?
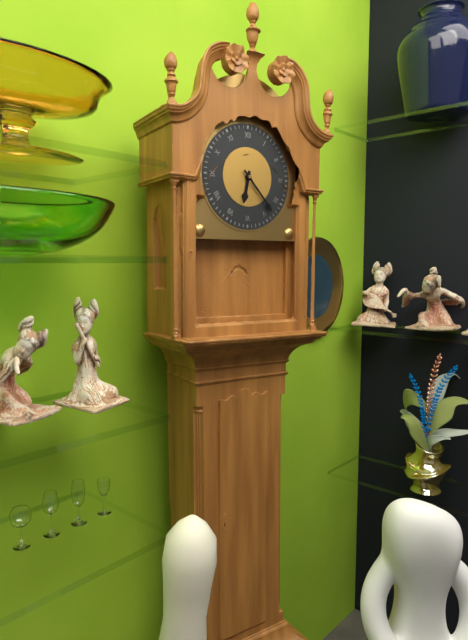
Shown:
h=6 m=23
